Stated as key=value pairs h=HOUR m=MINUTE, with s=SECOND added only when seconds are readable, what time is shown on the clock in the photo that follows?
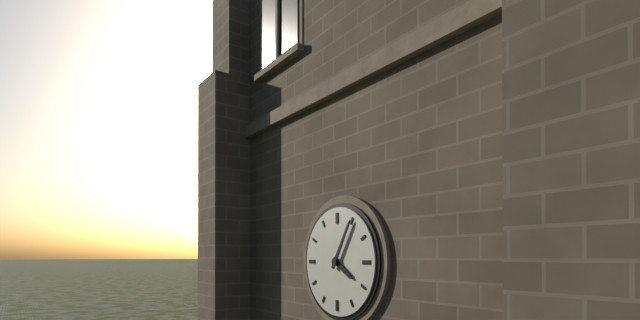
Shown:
h=4 m=5
